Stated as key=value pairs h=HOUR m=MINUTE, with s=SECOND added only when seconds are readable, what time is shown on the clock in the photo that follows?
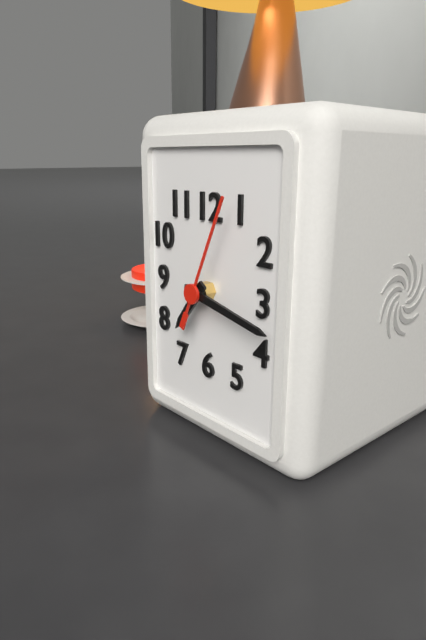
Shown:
h=7 m=17 s=4
